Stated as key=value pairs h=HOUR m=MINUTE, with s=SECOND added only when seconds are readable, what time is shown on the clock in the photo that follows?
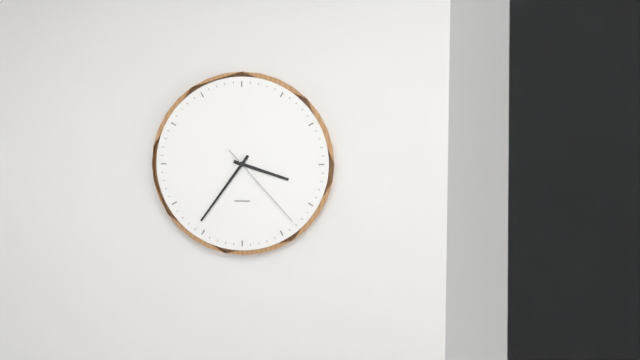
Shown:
h=3 m=36 s=23
